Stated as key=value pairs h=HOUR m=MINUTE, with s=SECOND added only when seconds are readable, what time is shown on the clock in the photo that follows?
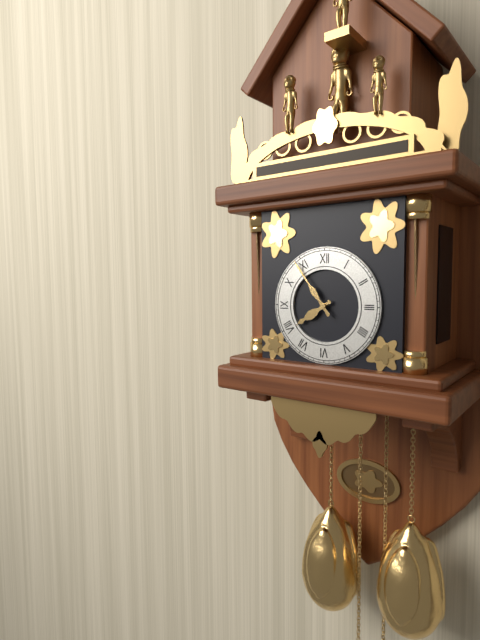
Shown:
h=7 m=54
